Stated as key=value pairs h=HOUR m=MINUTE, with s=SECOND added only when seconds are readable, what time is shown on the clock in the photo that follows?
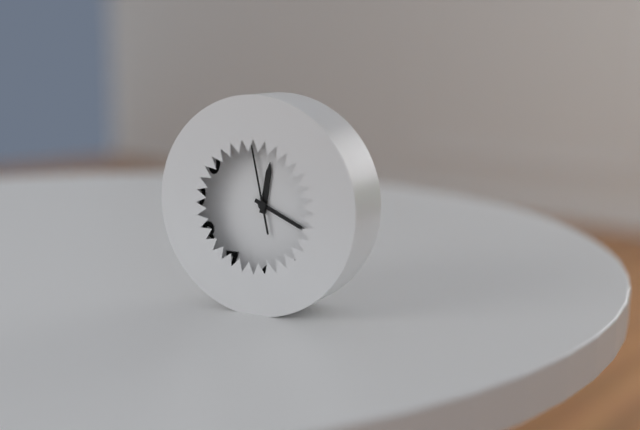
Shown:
h=12 m=19 s=58
